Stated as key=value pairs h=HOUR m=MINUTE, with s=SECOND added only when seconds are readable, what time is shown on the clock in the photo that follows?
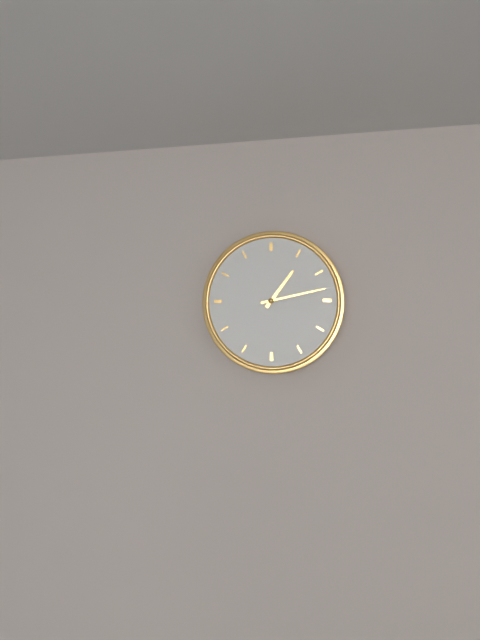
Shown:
h=1 m=13
